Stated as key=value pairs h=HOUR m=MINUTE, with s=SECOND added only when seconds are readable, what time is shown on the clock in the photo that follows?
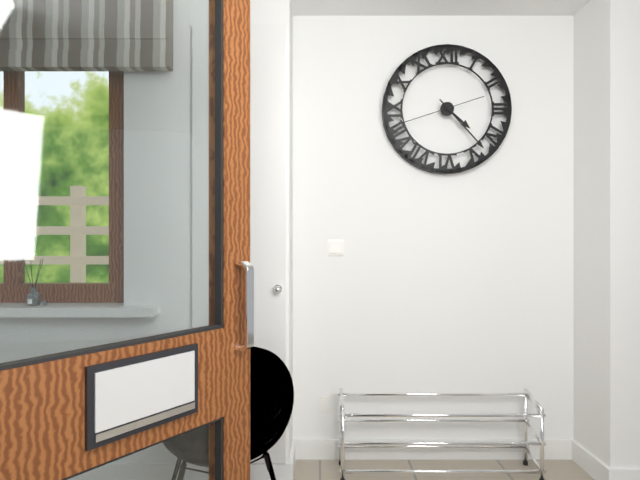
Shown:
h=4 m=23 s=42
